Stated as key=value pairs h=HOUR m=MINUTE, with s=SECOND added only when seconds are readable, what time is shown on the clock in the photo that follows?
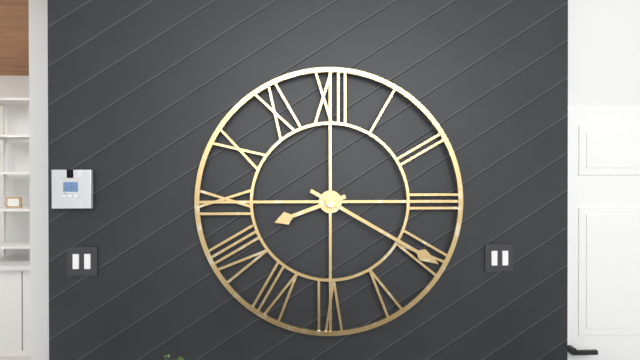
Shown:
h=8 m=20
